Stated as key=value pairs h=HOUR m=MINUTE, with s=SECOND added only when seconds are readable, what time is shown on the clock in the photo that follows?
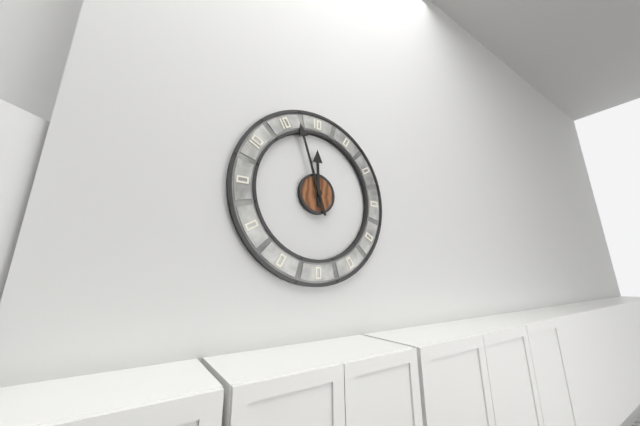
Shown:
h=11 m=57
